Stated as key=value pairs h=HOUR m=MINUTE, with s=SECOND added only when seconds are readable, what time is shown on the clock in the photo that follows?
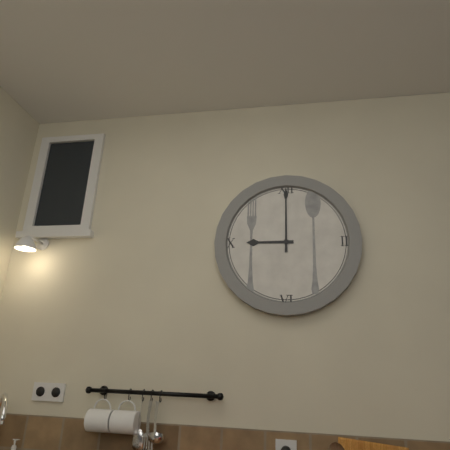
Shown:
h=9 m=0
